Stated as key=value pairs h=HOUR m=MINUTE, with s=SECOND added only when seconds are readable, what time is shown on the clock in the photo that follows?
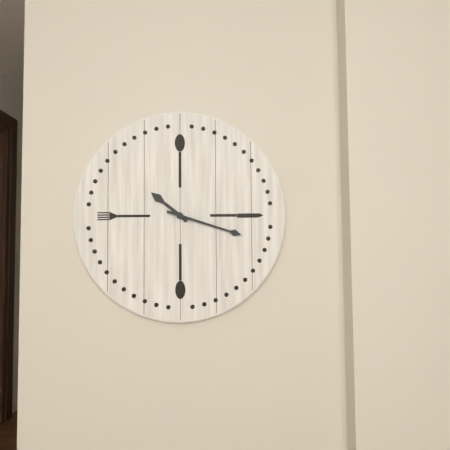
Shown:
h=10 m=18
